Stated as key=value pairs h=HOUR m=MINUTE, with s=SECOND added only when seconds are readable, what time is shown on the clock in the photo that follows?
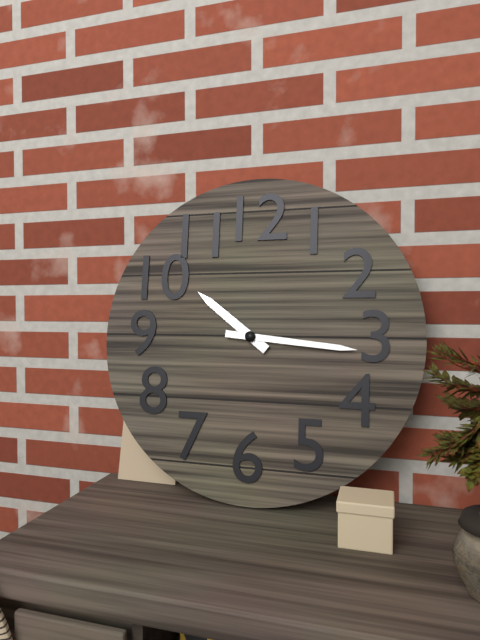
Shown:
h=10 m=16
